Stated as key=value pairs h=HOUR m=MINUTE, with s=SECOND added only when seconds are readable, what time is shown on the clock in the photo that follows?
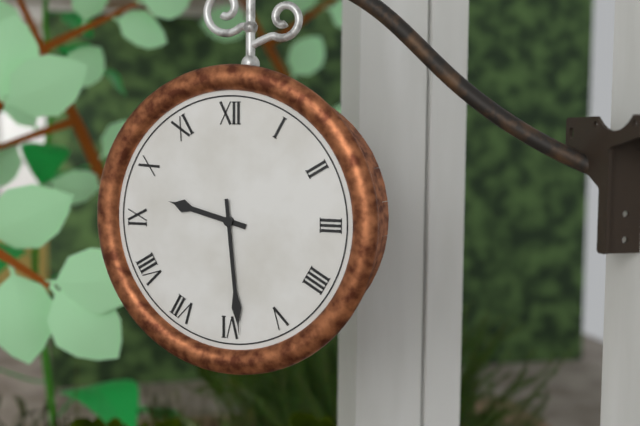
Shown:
h=9 m=29
